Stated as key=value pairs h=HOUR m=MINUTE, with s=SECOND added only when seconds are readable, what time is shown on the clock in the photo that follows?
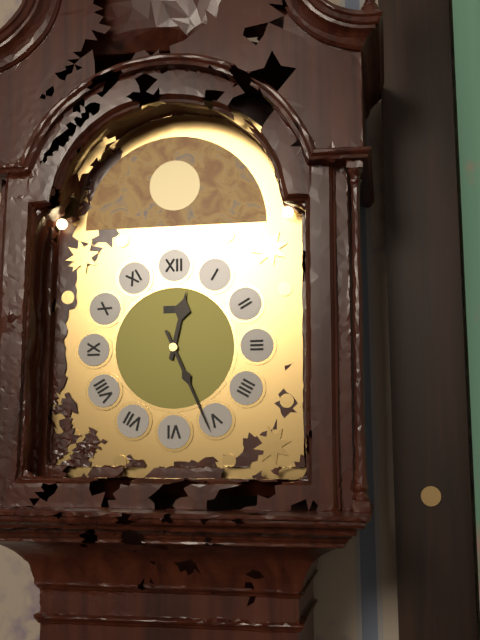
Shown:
h=12 m=26
